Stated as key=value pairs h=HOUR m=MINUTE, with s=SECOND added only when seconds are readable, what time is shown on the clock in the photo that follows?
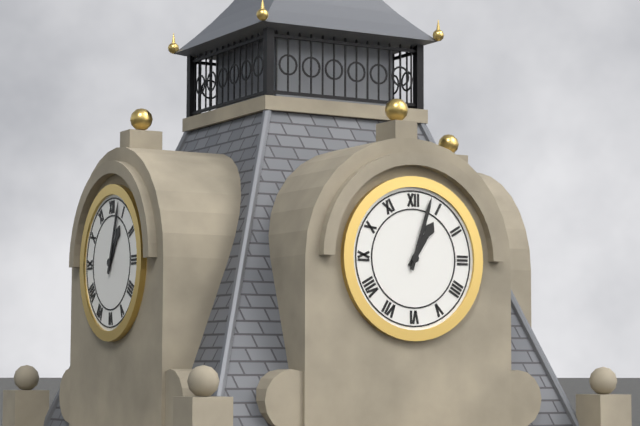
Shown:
h=1 m=3
